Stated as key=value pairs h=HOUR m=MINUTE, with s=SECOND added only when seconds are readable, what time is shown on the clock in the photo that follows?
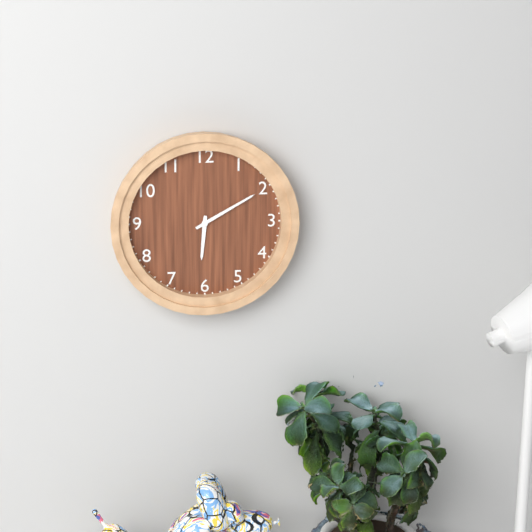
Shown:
h=6 m=10
